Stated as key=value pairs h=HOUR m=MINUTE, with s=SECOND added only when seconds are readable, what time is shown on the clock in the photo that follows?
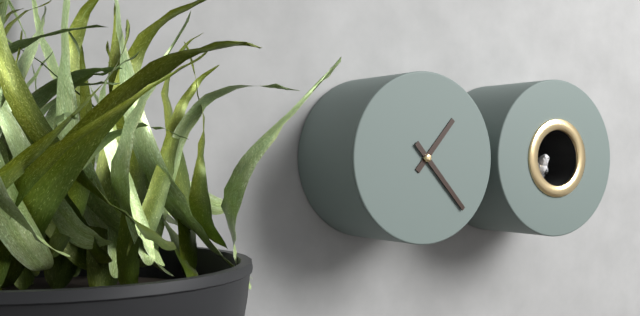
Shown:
h=1 m=23
